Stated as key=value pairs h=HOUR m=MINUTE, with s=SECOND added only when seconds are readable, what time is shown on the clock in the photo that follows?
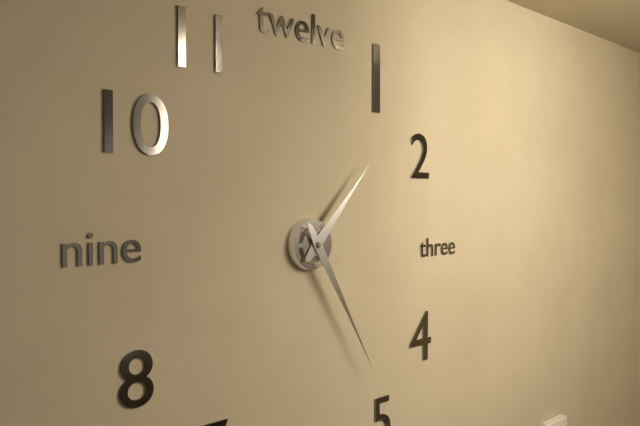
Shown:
h=1 m=25
